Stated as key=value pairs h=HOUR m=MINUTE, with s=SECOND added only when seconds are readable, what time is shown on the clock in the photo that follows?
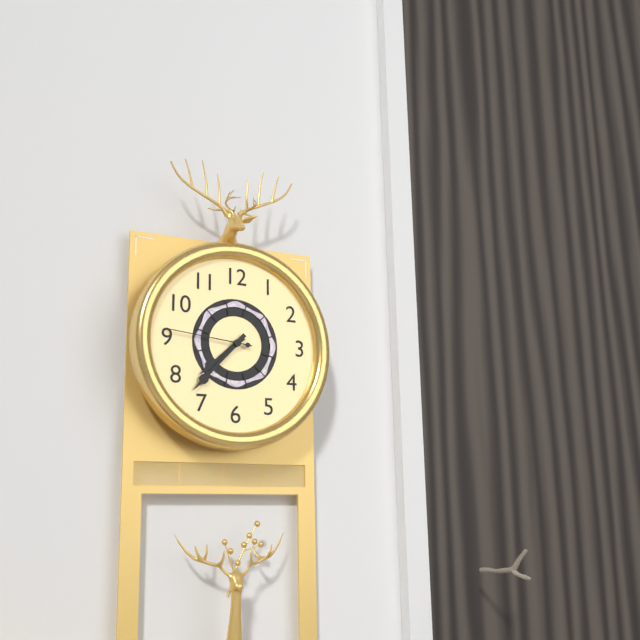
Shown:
h=7 m=37 s=46
